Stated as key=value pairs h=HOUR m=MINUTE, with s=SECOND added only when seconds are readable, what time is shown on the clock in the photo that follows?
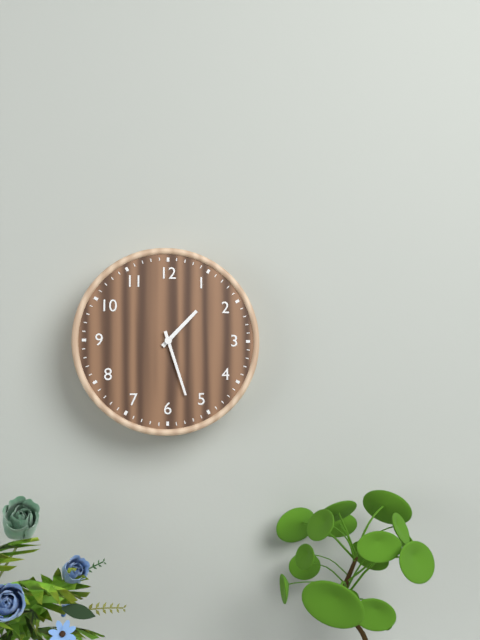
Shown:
h=1 m=27
